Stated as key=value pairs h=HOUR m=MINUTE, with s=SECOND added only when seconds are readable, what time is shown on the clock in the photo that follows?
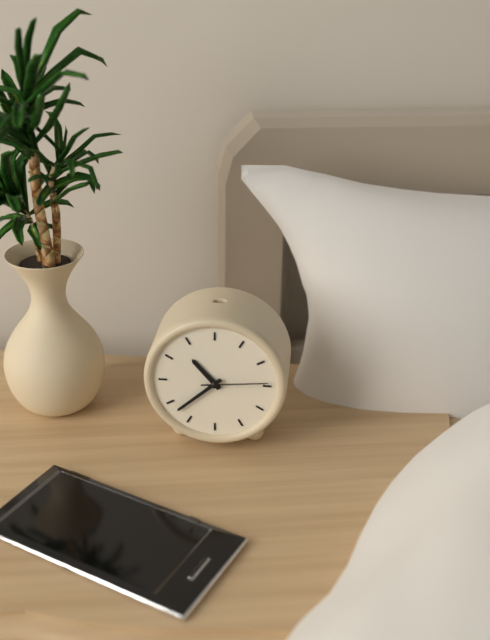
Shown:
h=10 m=38 s=14
